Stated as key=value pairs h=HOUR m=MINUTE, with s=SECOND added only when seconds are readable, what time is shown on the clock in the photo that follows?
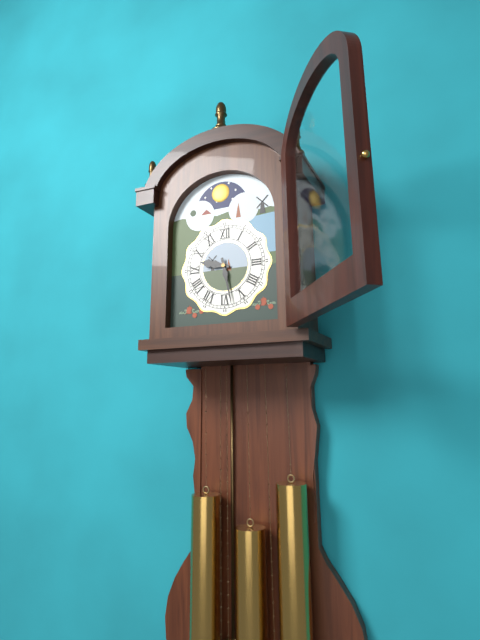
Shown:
h=9 m=28
